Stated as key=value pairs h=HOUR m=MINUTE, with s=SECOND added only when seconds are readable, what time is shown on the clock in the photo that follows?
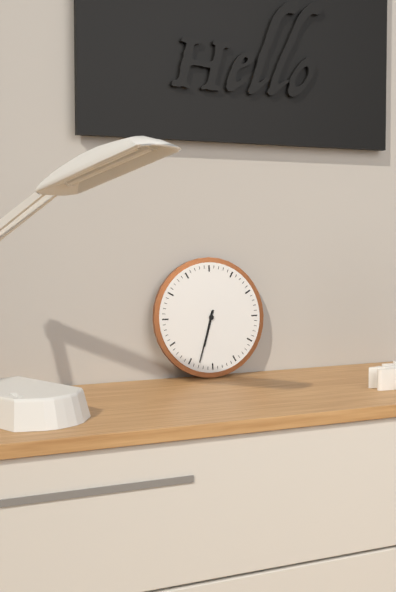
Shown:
h=6 m=33
